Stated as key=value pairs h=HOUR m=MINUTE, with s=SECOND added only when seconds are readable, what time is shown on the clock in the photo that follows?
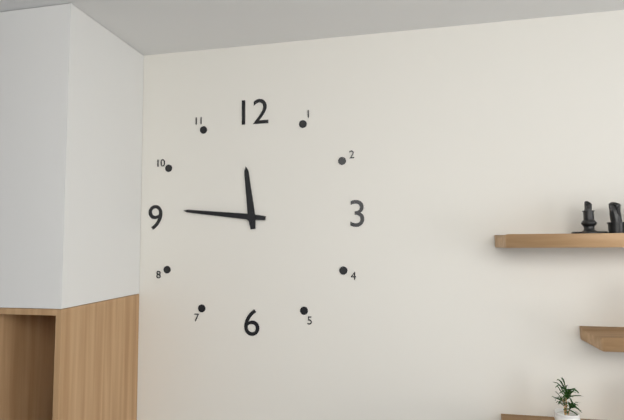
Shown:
h=11 m=46
